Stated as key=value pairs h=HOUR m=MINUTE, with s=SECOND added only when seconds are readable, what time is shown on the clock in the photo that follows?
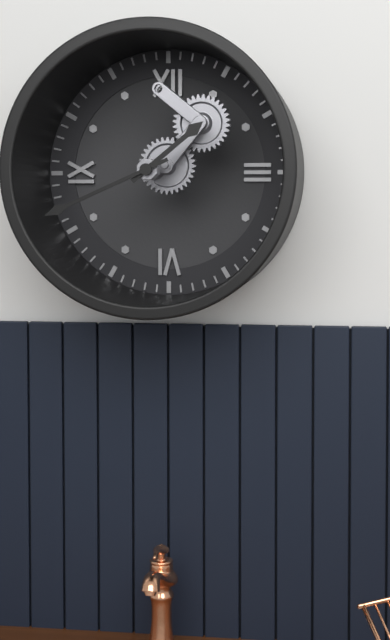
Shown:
h=1 m=41
